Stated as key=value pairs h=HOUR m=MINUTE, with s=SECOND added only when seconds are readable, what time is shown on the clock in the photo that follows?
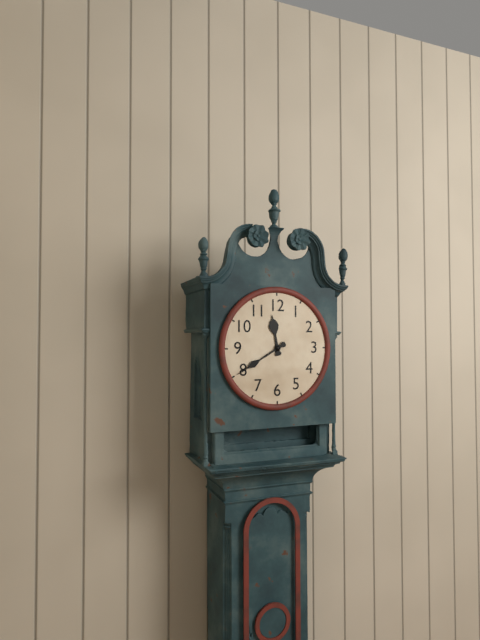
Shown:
h=11 m=40
